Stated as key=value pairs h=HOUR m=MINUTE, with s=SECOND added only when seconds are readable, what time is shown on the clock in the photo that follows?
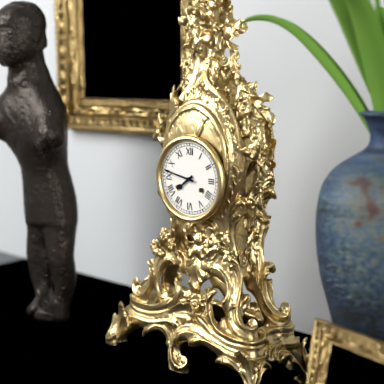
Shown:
h=7 m=47
